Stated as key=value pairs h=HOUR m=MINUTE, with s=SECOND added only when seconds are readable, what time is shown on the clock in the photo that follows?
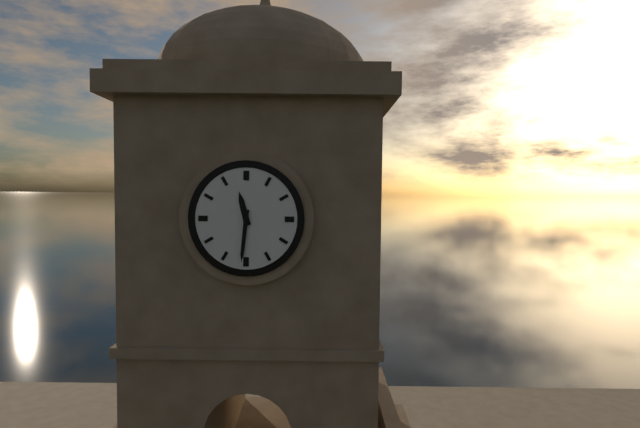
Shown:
h=11 m=31
